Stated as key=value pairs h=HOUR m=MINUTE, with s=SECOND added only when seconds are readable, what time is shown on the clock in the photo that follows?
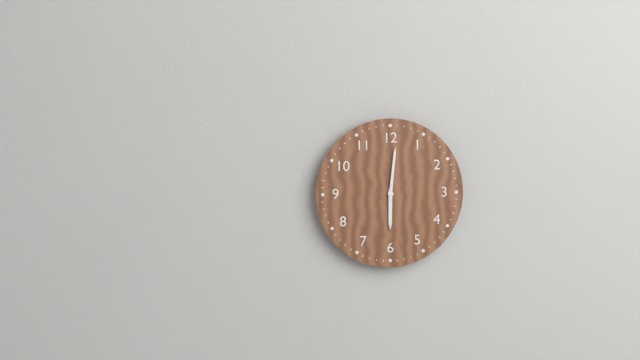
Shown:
h=6 m=1
